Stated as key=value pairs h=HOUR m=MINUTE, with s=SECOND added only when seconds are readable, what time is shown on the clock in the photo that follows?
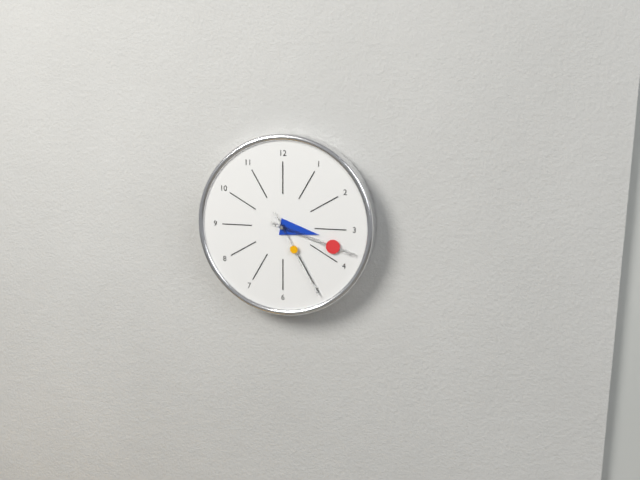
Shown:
h=3 m=18 s=25
